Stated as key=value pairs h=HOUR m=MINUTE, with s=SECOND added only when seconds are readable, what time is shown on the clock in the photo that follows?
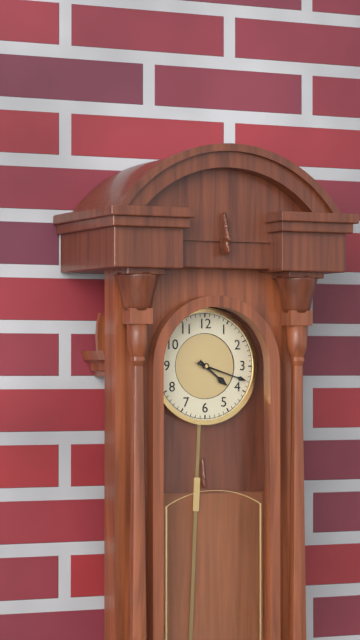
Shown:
h=4 m=18
